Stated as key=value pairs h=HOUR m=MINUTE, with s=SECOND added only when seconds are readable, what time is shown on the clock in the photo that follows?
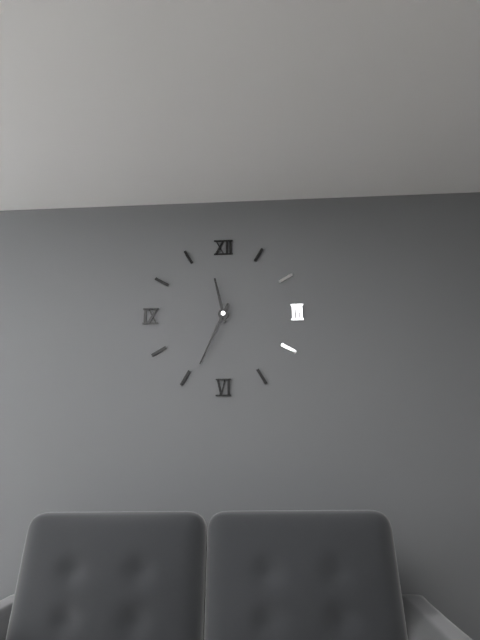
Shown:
h=11 m=34
